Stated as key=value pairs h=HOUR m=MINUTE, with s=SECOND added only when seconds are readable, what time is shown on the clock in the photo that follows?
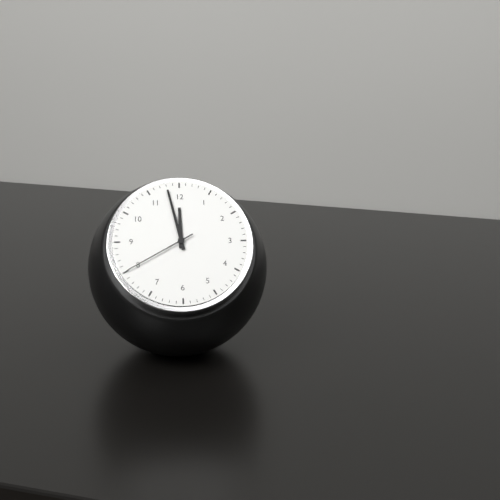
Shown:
h=11 m=58 s=40
